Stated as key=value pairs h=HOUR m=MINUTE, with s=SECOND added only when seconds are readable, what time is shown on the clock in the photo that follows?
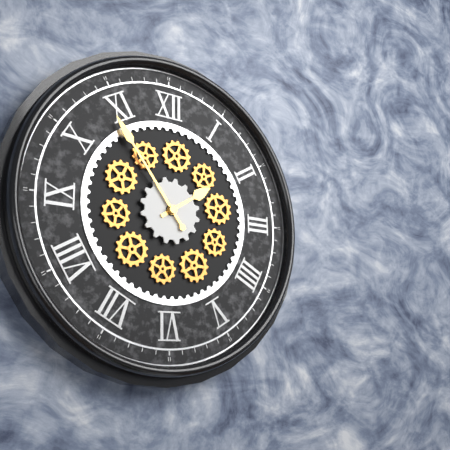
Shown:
h=1 m=54
